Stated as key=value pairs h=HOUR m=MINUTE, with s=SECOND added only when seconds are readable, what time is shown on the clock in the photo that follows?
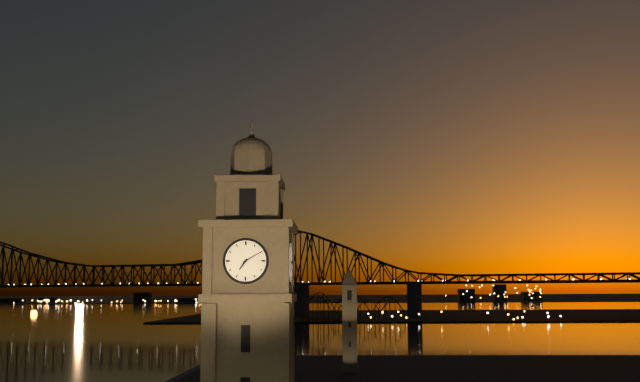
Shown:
h=7 m=10
